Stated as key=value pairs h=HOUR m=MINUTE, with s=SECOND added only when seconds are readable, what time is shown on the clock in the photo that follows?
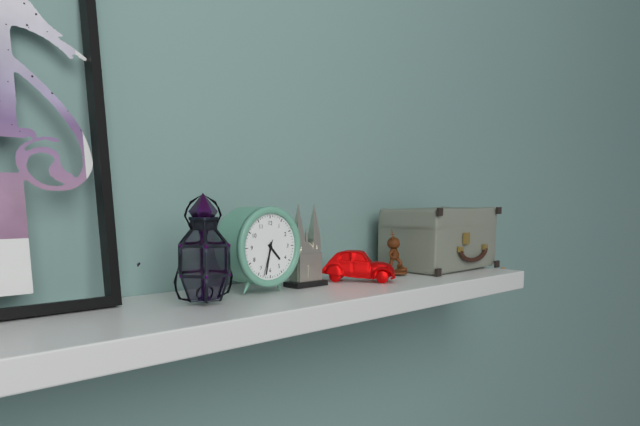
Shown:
h=4 m=32
